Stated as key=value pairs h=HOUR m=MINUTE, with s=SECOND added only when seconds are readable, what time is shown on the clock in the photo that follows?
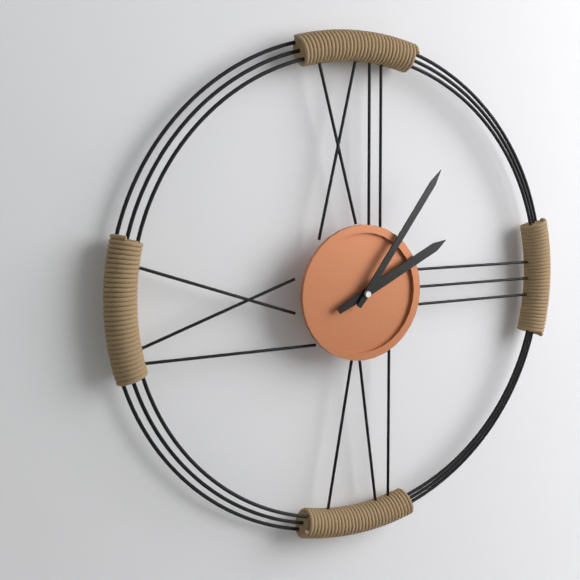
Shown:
h=2 m=6
